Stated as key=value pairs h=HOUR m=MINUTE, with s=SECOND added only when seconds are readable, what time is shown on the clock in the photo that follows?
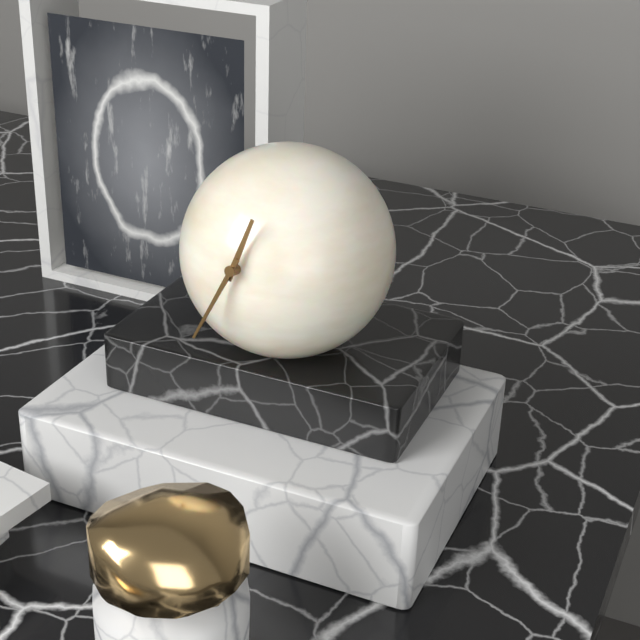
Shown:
h=12 m=34
